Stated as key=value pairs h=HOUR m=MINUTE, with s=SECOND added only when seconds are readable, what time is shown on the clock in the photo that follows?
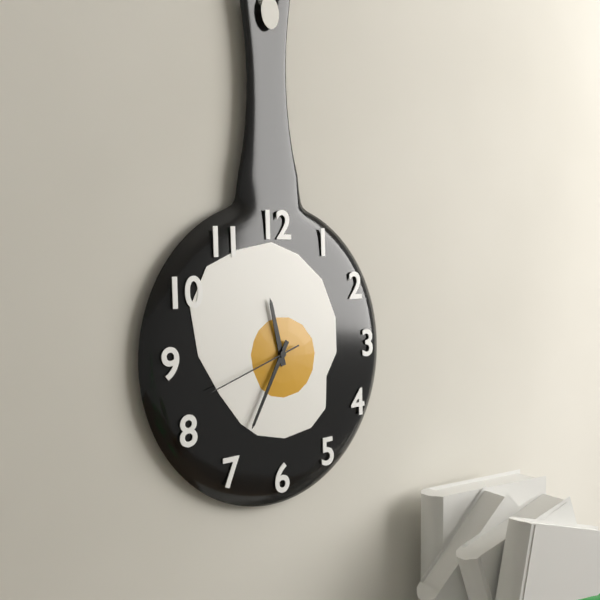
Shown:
h=11 m=35 s=42
